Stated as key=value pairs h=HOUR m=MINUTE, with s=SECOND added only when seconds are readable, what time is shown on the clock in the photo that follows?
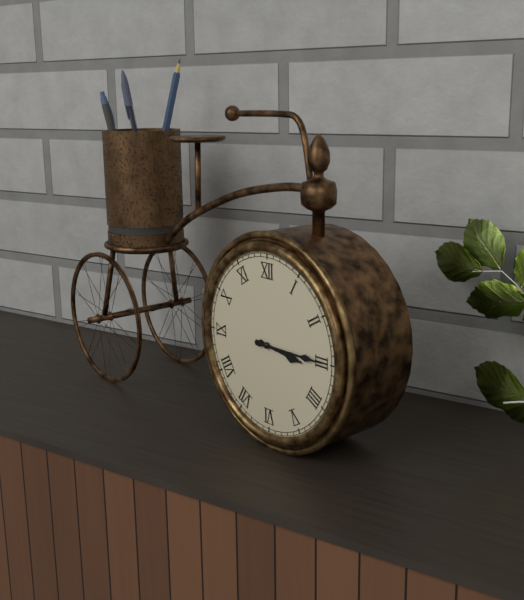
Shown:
h=3 m=15
